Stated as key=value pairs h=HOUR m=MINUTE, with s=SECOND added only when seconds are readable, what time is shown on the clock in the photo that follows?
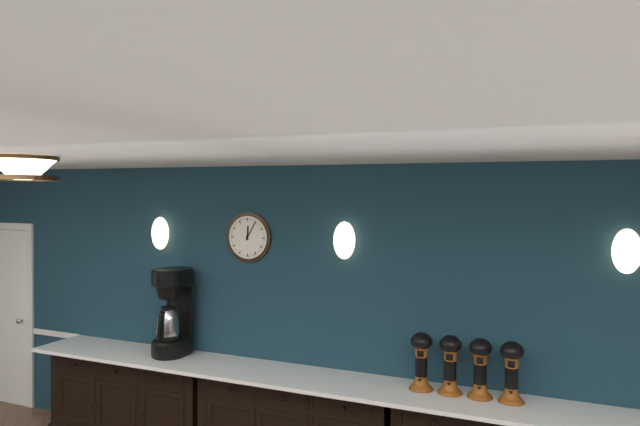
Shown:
h=12 m=5
